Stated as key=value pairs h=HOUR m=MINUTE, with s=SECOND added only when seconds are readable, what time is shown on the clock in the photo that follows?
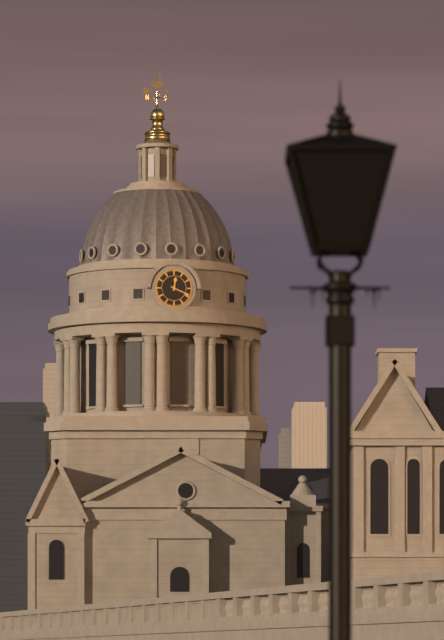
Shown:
h=12 m=19
